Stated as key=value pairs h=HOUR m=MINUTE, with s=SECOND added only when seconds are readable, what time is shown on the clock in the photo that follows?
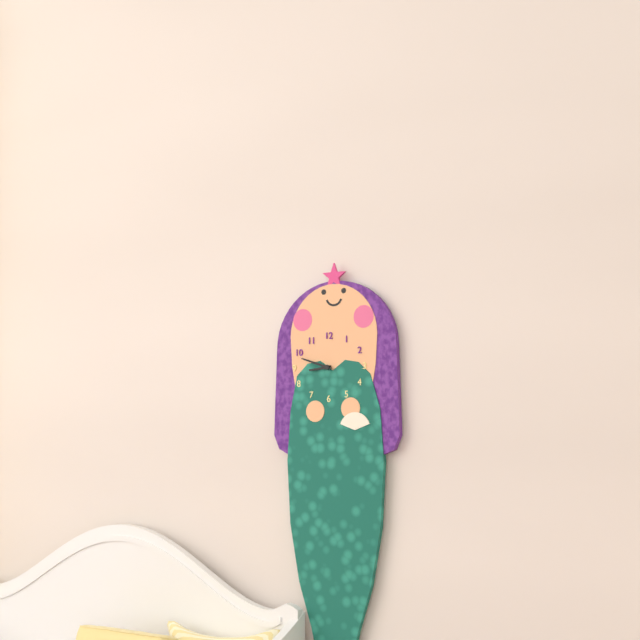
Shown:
h=8 m=48
